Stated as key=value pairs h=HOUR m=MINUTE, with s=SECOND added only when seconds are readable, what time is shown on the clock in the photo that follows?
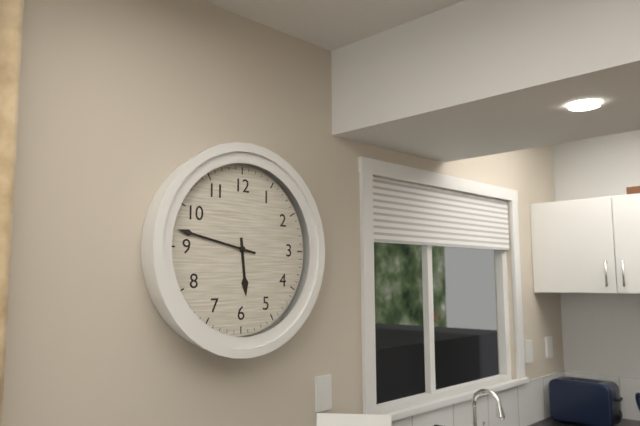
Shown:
h=5 m=47
